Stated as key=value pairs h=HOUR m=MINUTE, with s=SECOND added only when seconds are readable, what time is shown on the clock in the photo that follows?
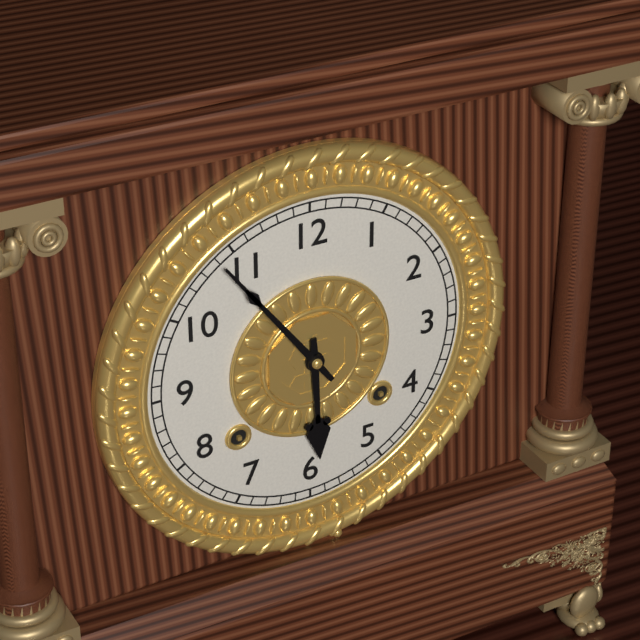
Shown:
h=5 m=54
